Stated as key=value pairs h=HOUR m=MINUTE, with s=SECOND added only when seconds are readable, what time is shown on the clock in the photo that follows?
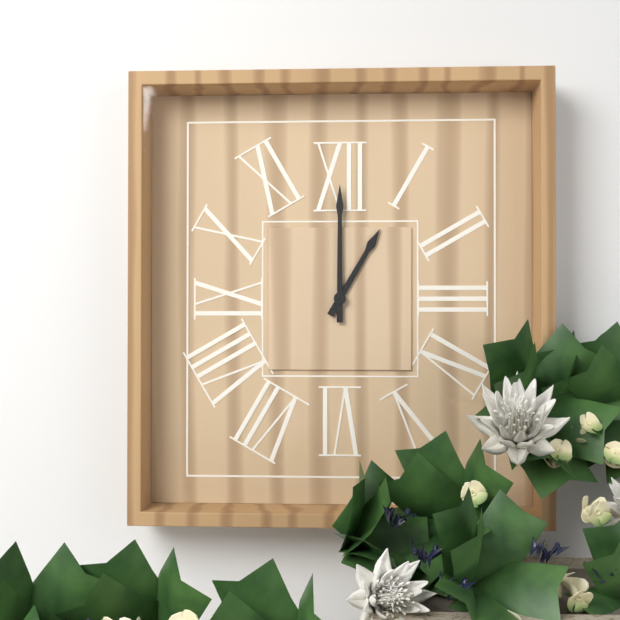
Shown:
h=1 m=0
